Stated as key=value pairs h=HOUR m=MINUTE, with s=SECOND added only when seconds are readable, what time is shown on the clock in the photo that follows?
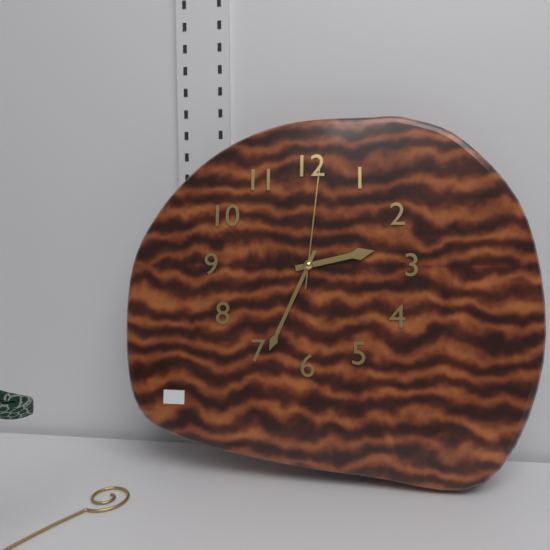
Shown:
h=2 m=34 s=1
